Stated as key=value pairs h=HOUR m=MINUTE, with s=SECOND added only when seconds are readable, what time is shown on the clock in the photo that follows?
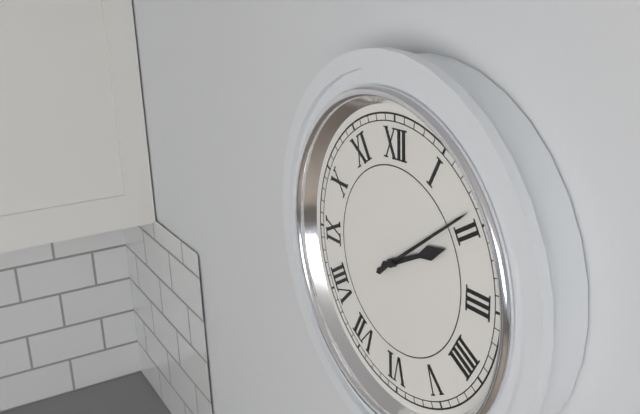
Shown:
h=2 m=9
